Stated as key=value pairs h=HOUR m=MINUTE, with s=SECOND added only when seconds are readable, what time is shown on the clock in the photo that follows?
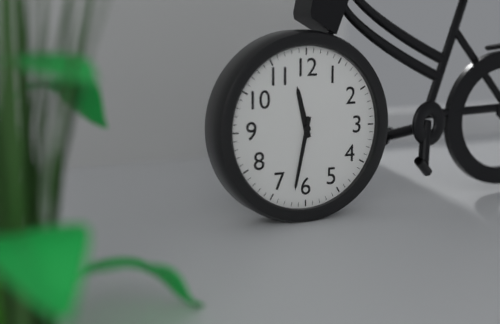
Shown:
h=11 m=32
